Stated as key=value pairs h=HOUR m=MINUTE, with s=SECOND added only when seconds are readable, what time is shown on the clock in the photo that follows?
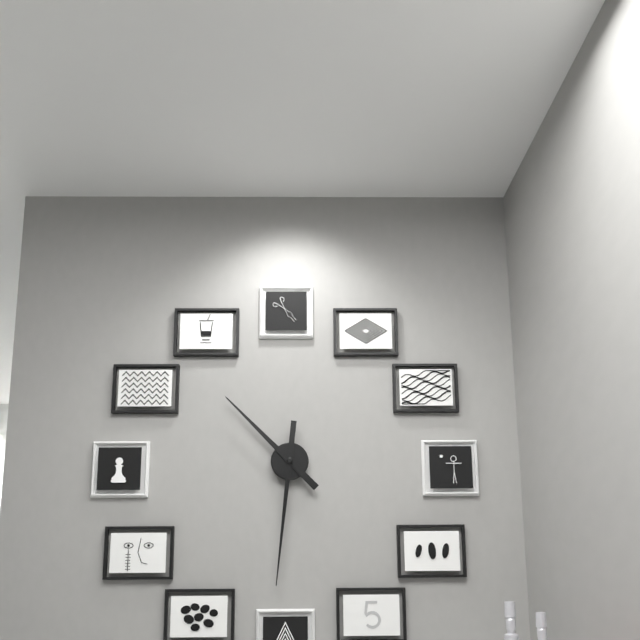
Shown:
h=10 m=31
